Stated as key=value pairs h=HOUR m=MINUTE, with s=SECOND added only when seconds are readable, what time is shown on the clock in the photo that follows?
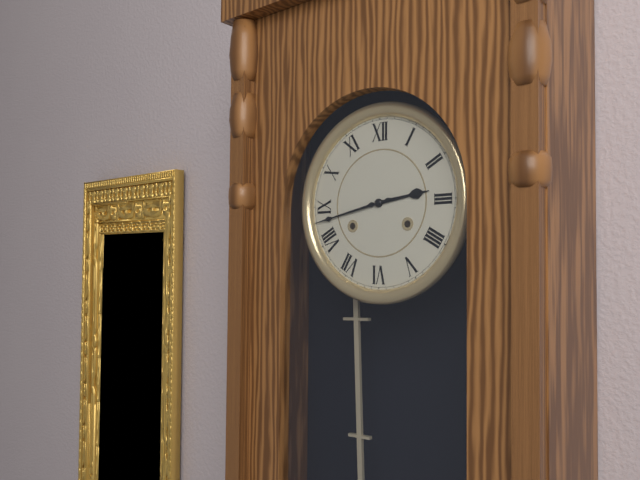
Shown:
h=2 m=43
